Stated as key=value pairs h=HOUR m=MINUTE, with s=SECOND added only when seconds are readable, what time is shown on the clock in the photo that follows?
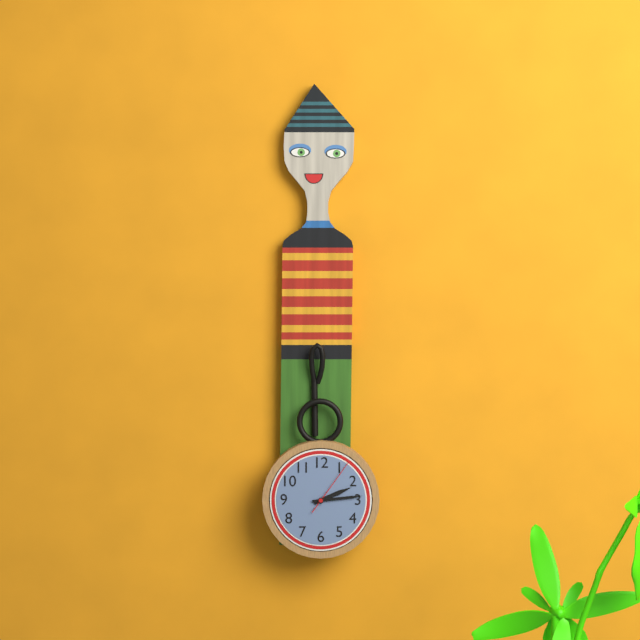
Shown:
h=2 m=14 s=6
